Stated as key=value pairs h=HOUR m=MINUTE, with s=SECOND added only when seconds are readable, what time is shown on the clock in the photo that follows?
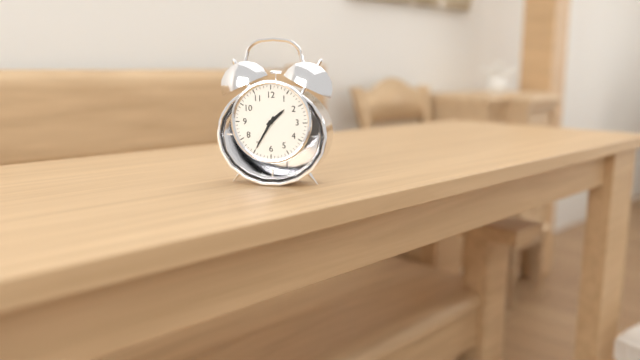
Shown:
h=1 m=35
